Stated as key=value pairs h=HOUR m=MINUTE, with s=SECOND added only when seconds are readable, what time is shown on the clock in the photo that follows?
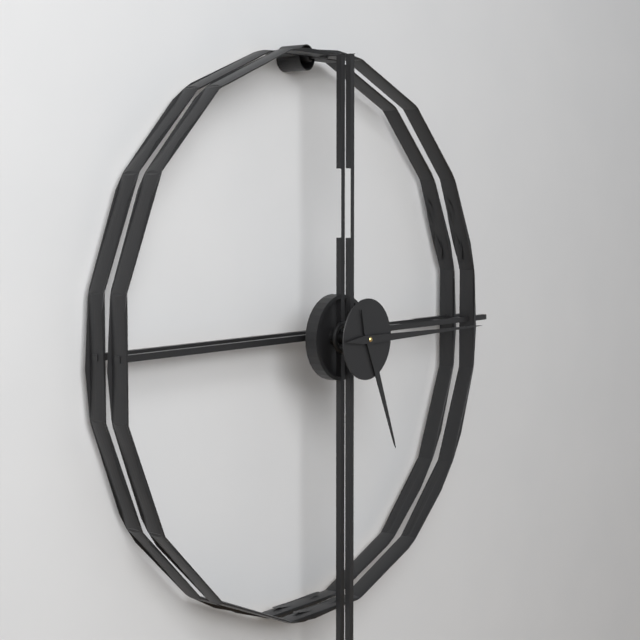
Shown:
h=5 m=15
